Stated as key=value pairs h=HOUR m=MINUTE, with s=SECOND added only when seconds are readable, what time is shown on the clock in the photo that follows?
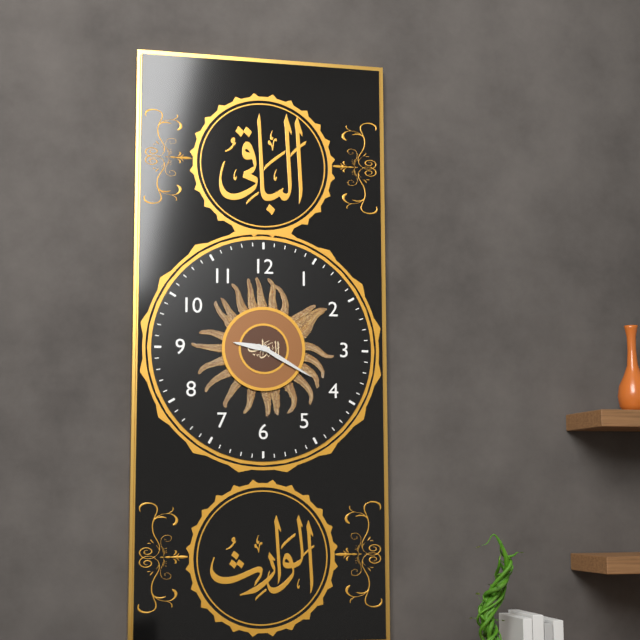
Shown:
h=9 m=20
